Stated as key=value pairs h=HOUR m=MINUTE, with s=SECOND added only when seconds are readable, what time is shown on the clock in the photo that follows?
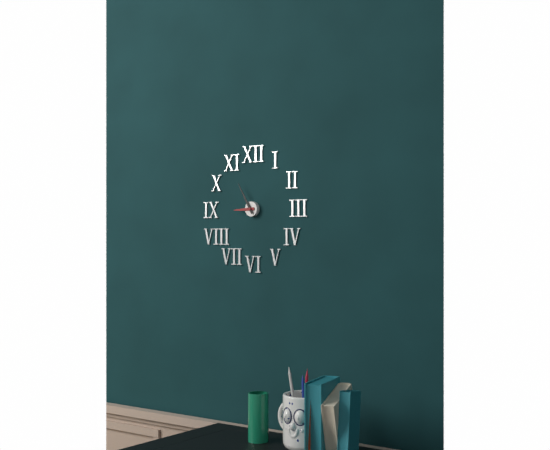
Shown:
h=8 m=55
